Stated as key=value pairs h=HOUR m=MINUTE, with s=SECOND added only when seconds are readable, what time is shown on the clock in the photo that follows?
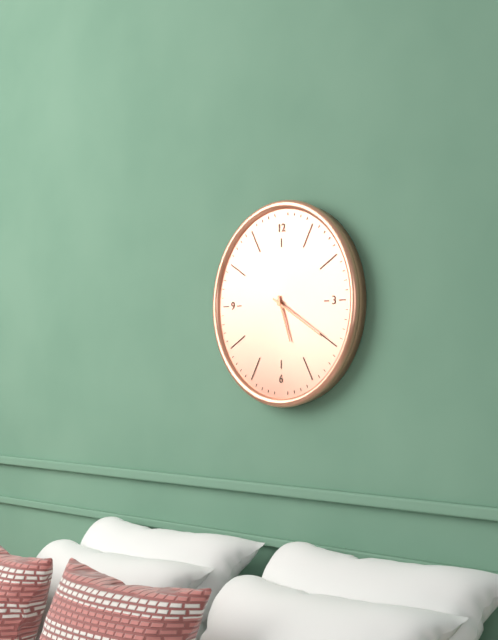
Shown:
h=5 m=20
